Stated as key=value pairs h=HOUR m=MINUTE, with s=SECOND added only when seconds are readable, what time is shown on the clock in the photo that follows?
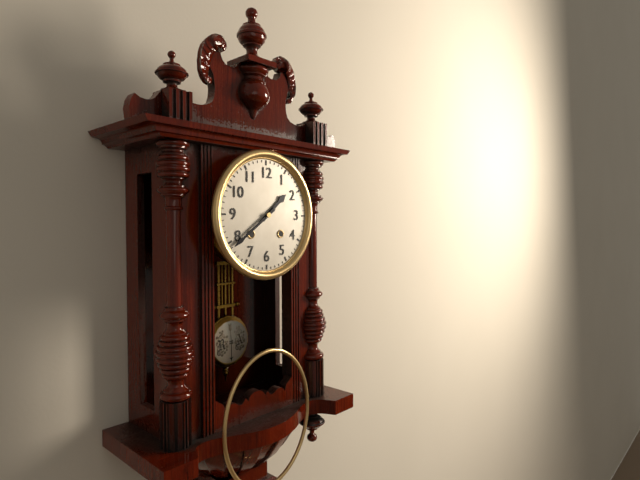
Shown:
h=1 m=39
